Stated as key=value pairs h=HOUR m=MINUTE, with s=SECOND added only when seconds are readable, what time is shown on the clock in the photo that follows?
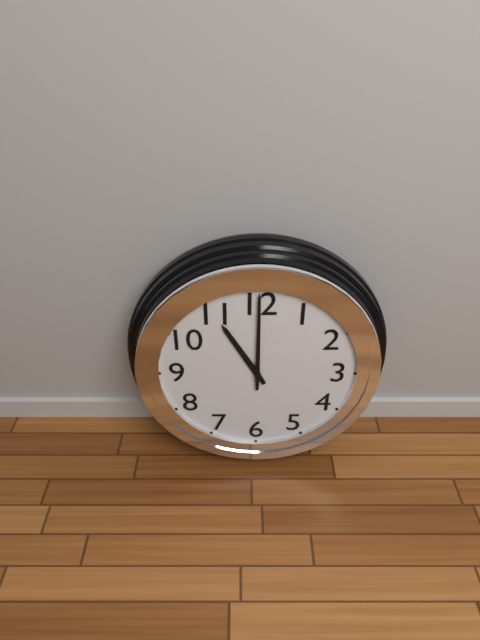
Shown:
h=11 m=0
